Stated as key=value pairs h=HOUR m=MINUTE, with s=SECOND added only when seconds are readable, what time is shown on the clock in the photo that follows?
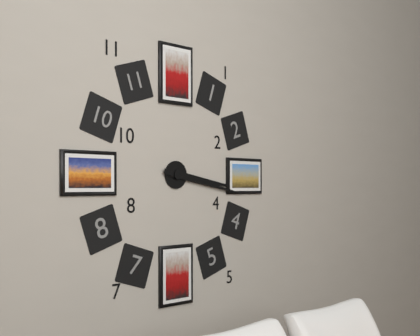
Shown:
h=3 m=17
